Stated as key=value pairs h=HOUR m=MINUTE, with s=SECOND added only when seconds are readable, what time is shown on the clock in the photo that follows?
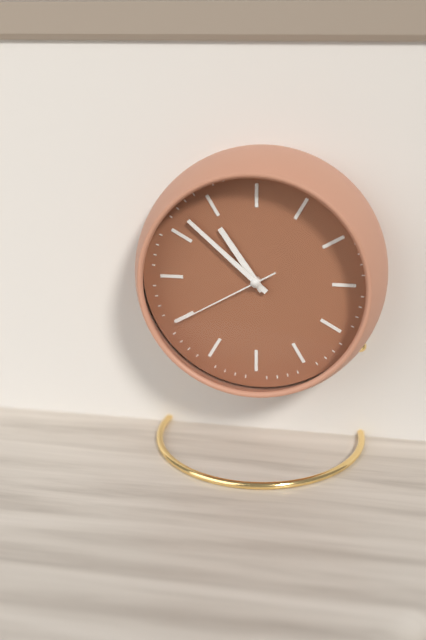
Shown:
h=10 m=52 s=40
